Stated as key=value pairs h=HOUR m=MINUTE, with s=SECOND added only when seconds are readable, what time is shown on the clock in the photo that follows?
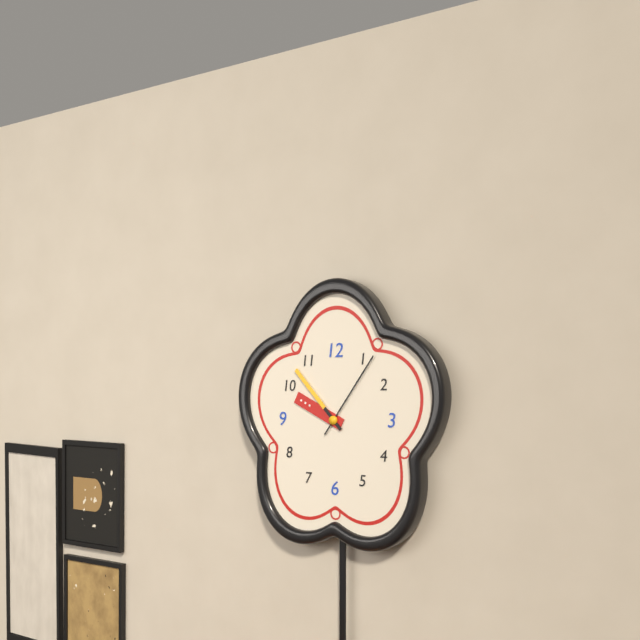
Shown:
h=9 m=53 s=6
